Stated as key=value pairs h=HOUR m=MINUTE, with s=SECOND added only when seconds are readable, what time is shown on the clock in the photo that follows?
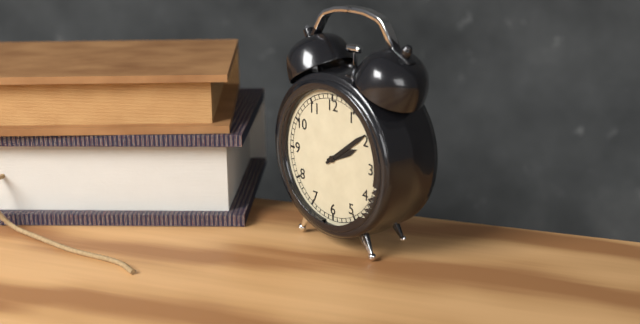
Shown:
h=2 m=9
